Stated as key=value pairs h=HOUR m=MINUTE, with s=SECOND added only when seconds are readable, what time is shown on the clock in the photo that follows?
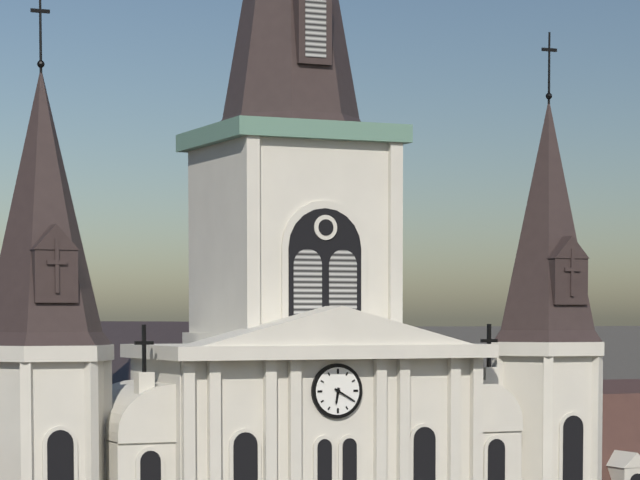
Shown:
h=6 m=20
